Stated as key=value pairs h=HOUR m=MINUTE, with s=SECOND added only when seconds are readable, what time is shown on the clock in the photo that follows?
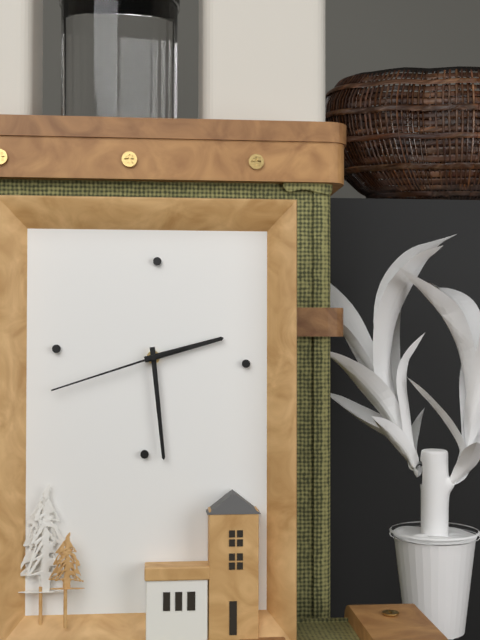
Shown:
h=2 m=29 s=42
